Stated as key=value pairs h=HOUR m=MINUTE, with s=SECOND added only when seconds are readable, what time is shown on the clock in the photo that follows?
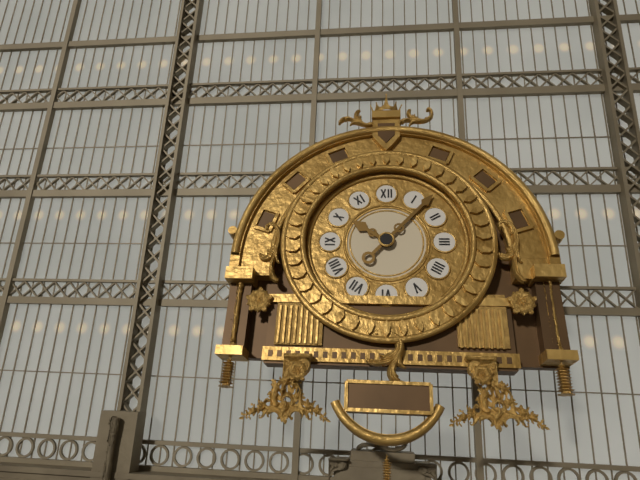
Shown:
h=10 m=7
